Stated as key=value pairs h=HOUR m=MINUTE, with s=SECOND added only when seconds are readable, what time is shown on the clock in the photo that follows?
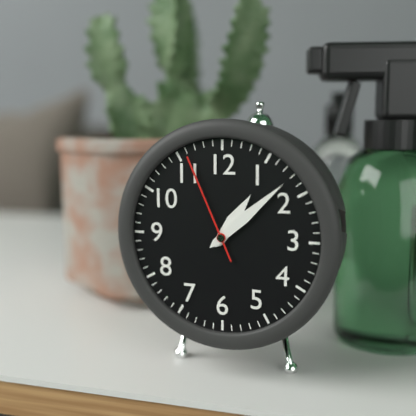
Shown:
h=1 m=8 s=56
